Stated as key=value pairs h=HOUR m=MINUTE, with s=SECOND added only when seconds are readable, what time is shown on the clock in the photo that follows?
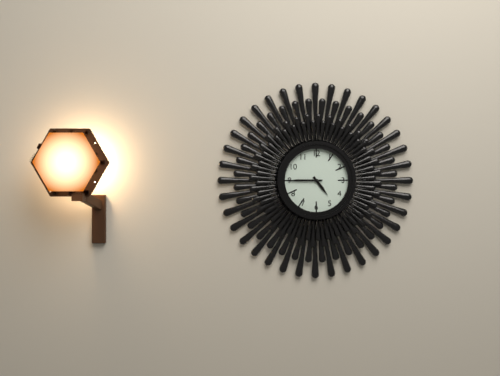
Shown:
h=4 m=45
